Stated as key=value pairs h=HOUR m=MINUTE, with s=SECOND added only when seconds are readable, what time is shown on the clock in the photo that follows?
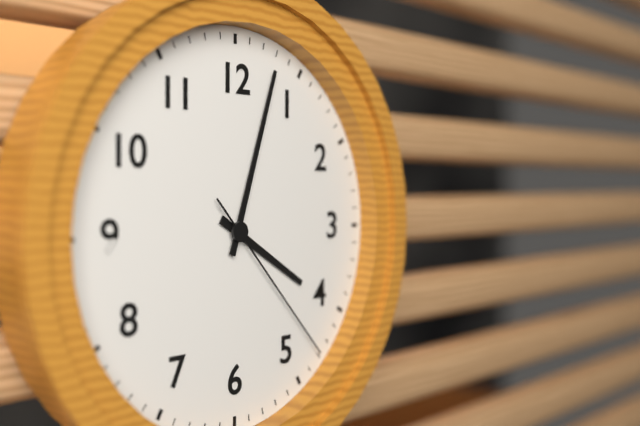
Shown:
h=4 m=3 s=23
